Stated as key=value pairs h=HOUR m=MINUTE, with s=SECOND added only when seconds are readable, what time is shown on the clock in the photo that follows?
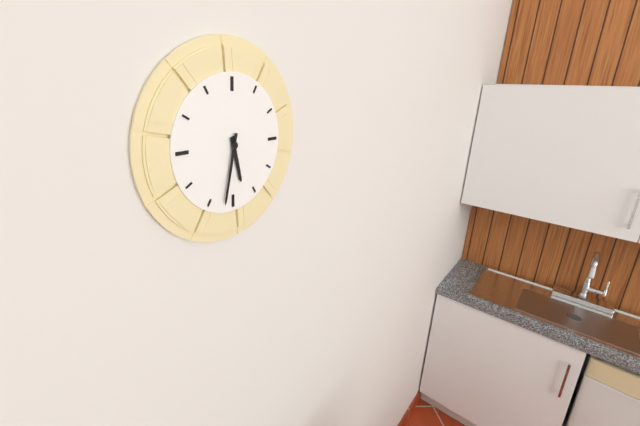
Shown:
h=5 m=32
